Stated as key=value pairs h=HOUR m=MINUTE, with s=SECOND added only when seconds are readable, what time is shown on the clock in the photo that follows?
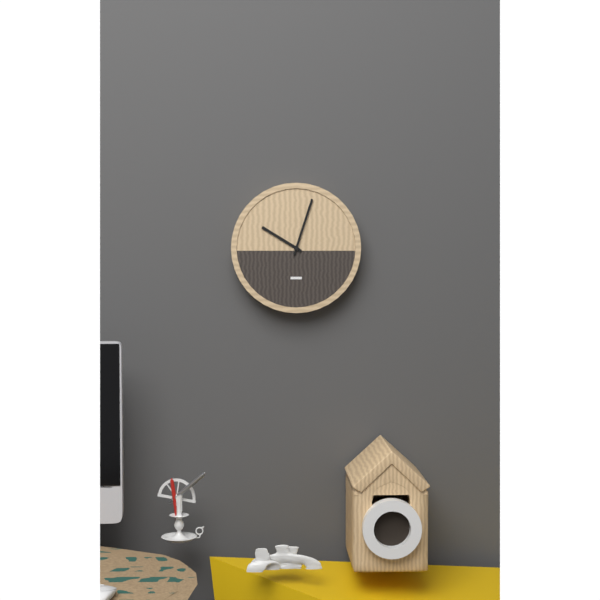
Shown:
h=10 m=3
